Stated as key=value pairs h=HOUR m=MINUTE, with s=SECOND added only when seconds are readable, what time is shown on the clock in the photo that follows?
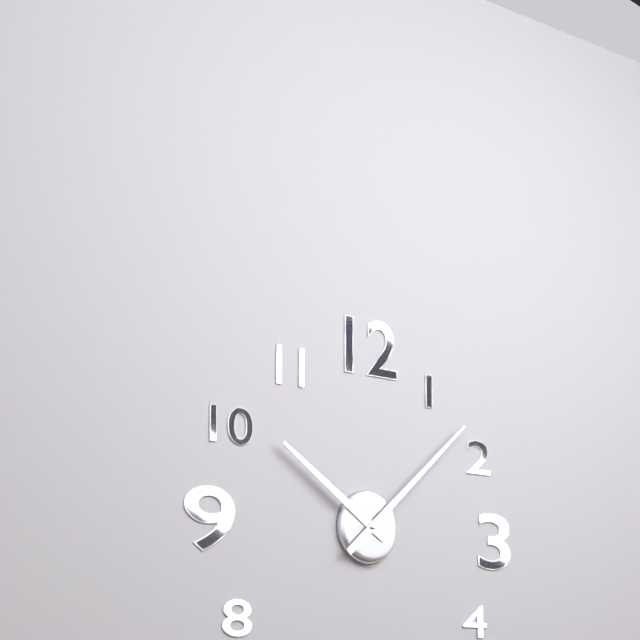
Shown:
h=10 m=8
